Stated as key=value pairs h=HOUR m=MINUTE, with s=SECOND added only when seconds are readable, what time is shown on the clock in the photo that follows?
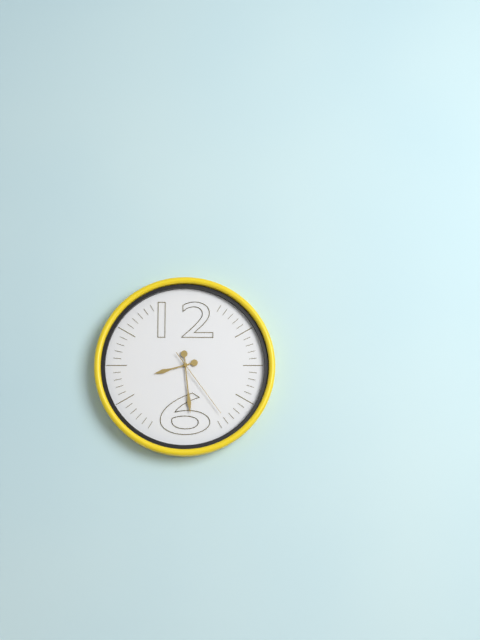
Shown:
h=8 m=29 s=24
